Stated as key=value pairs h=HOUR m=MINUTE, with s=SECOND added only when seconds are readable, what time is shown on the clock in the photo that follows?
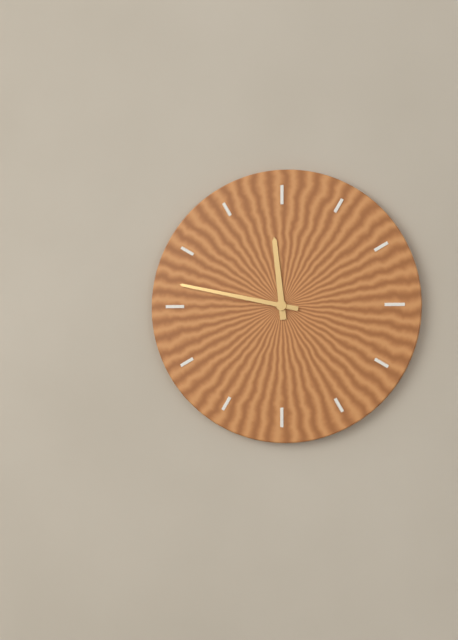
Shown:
h=11 m=47
